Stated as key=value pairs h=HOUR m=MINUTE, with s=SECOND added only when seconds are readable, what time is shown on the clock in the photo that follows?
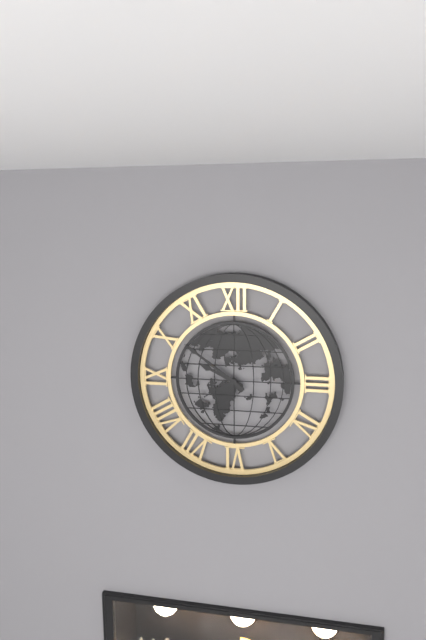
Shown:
h=9 m=51
